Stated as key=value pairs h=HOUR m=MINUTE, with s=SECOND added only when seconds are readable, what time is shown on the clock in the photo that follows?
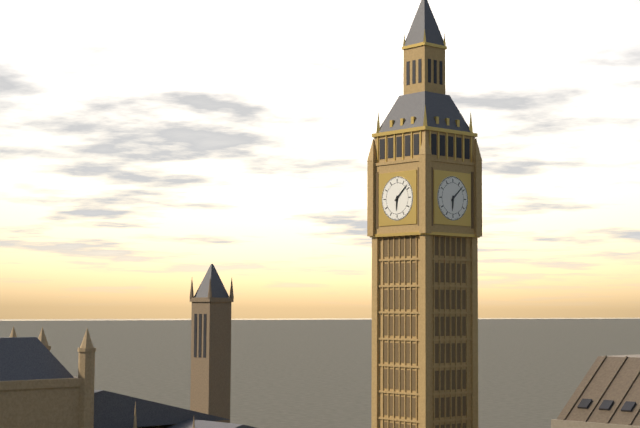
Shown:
h=6 m=8
